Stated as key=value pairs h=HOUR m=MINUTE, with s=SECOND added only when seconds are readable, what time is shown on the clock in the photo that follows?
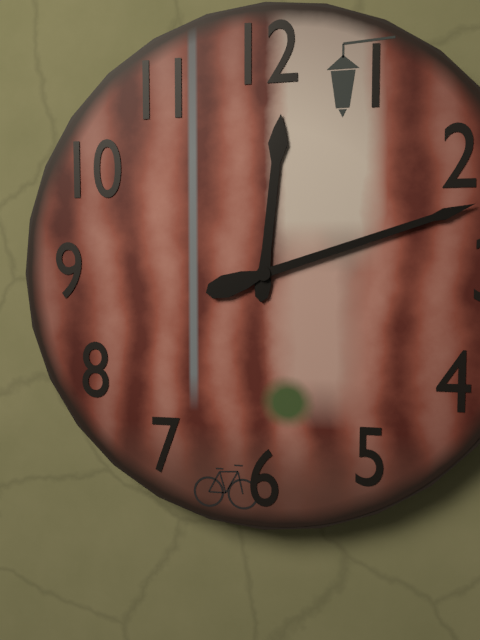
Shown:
h=12 m=12
